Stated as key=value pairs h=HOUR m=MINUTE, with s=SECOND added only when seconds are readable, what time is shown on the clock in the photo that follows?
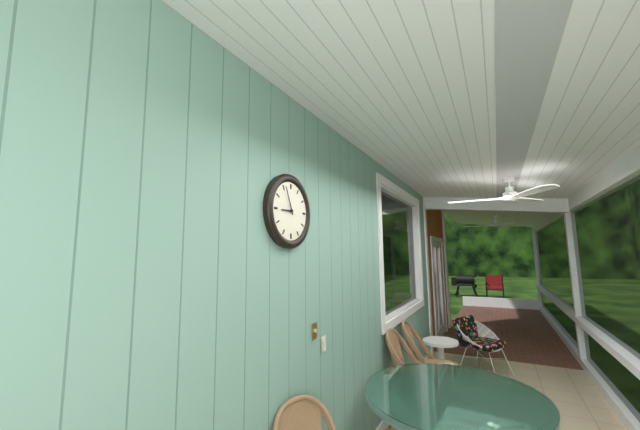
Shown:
h=8 m=56
